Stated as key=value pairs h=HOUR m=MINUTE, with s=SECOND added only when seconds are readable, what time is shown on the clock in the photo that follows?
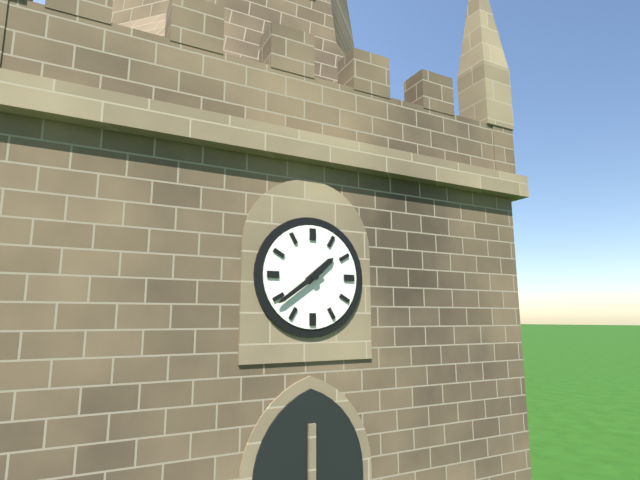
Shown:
h=1 m=39
